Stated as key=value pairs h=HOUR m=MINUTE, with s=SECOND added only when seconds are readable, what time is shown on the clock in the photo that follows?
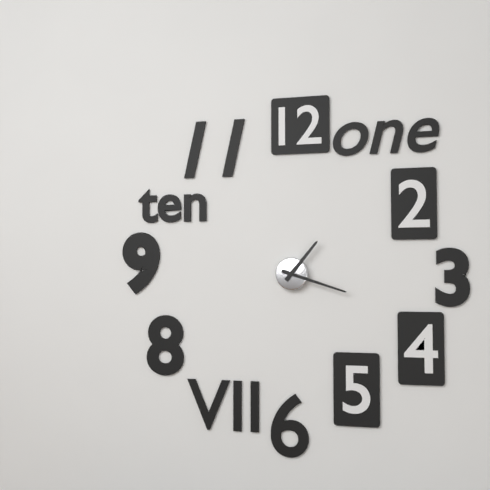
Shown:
h=1 m=18
